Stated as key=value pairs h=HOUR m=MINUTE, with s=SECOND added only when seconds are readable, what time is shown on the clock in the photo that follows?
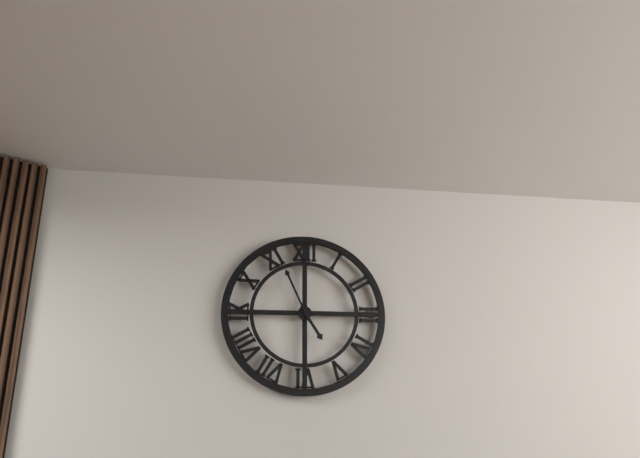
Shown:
h=4 m=56
